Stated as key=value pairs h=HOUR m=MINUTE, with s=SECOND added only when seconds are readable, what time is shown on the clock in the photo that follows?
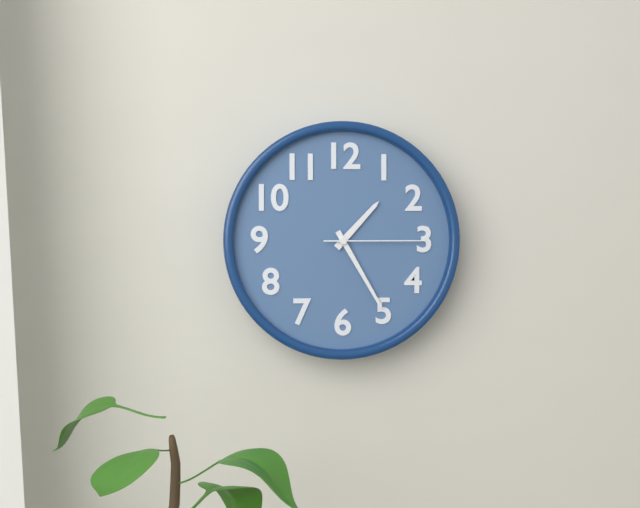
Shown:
h=1 m=25 s=15
